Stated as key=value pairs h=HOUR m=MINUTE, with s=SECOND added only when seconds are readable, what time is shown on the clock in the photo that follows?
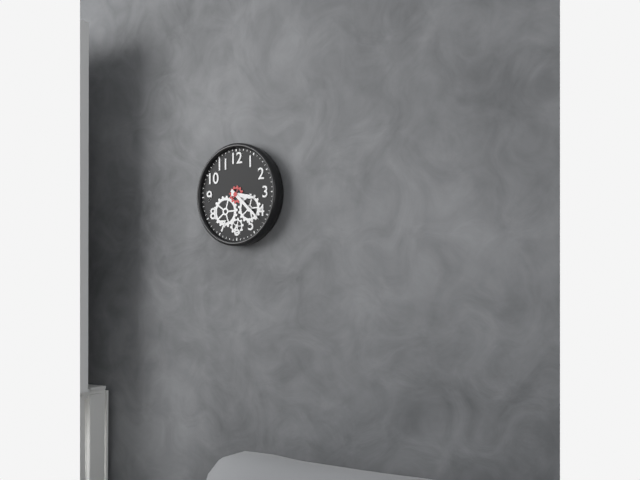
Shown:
h=3 m=22
